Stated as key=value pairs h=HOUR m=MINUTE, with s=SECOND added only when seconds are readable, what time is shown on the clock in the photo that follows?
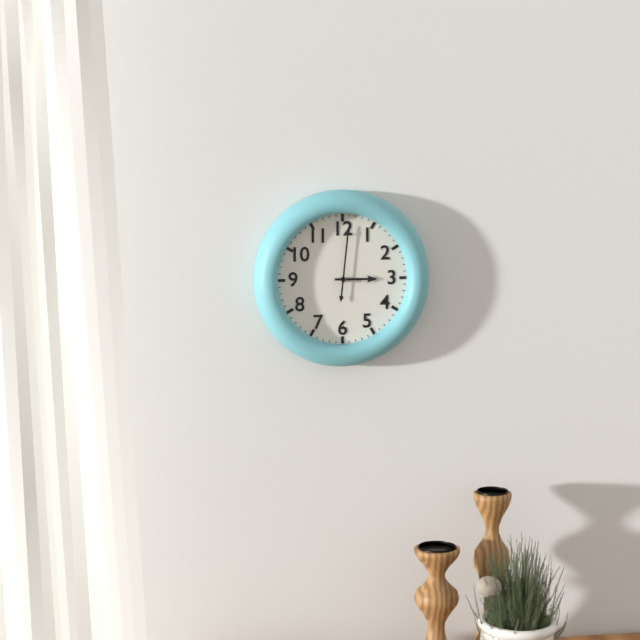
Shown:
h=3 m=1
